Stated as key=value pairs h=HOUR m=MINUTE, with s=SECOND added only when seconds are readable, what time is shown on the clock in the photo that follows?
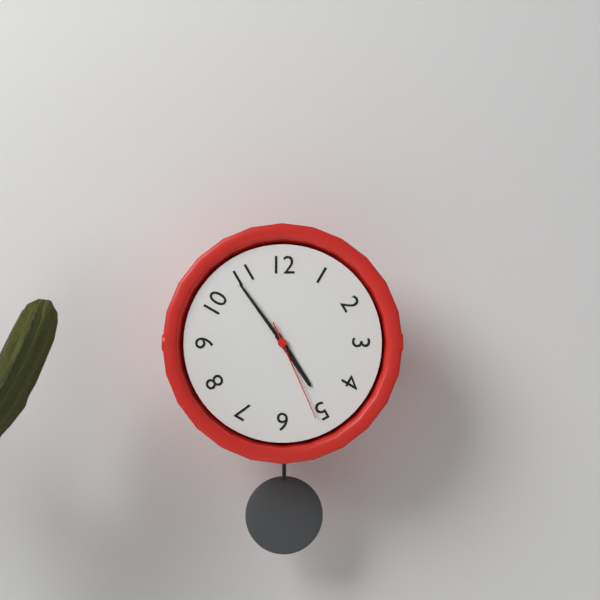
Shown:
h=4 m=54 s=26
